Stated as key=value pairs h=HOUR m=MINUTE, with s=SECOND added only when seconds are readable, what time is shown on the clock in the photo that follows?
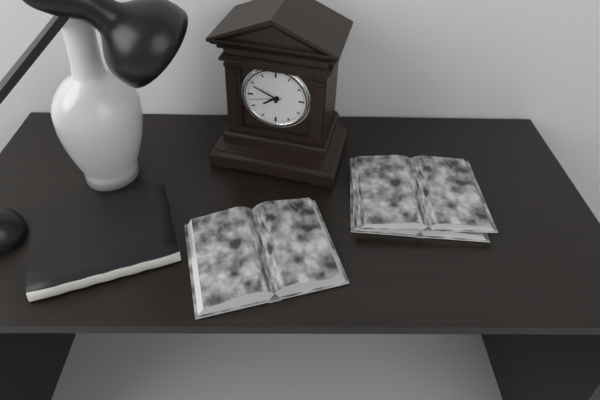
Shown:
h=7 m=49
